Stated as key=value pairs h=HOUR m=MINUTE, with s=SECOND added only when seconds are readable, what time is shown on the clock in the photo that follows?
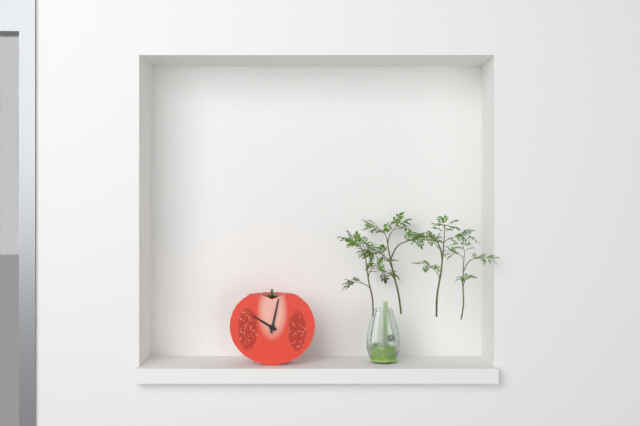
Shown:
h=10 m=2
